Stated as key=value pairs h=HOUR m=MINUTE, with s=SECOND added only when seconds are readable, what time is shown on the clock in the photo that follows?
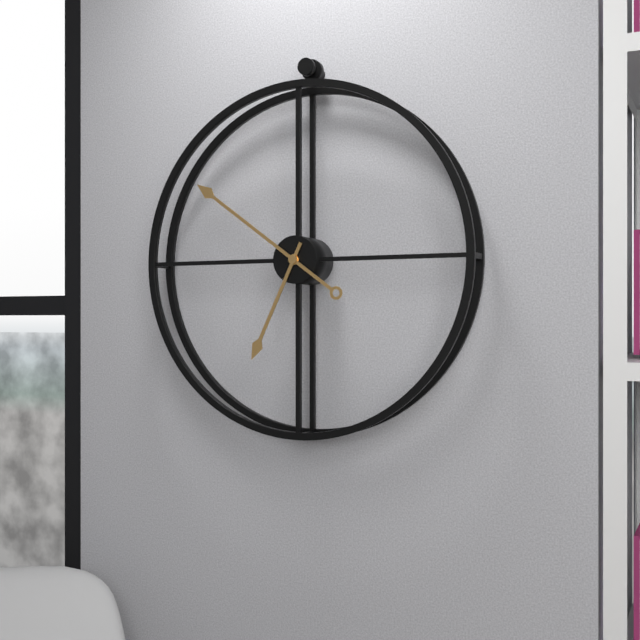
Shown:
h=6 m=51
